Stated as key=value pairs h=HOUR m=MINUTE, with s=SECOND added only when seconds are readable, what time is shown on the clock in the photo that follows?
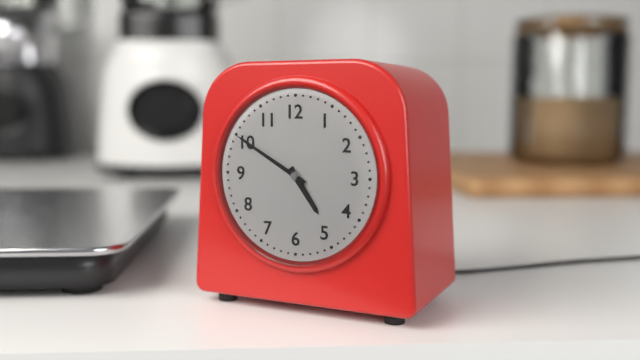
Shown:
h=4 m=50
